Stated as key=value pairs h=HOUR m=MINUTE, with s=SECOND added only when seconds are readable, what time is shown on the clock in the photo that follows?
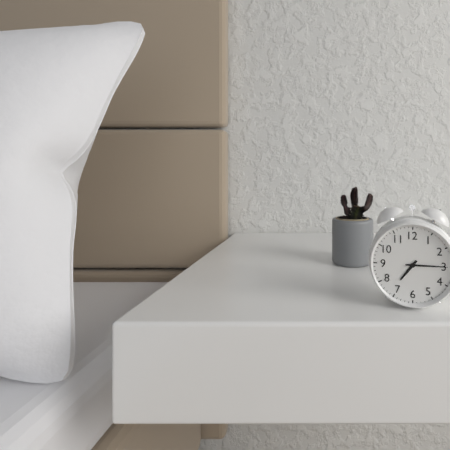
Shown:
h=7 m=15
